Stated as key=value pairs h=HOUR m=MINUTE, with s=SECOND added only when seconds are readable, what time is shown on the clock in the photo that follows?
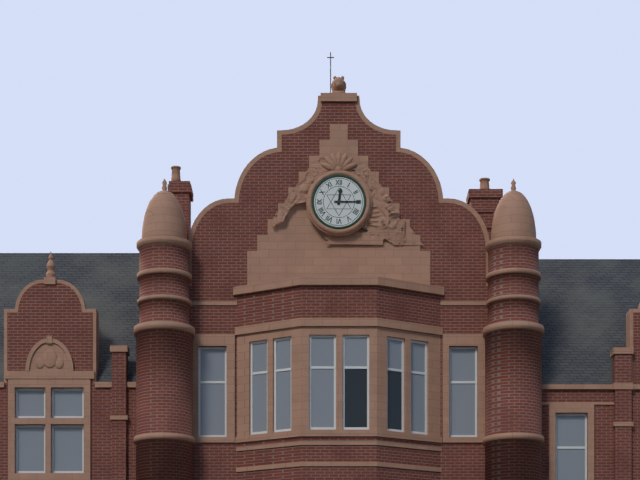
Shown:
h=12 m=15
